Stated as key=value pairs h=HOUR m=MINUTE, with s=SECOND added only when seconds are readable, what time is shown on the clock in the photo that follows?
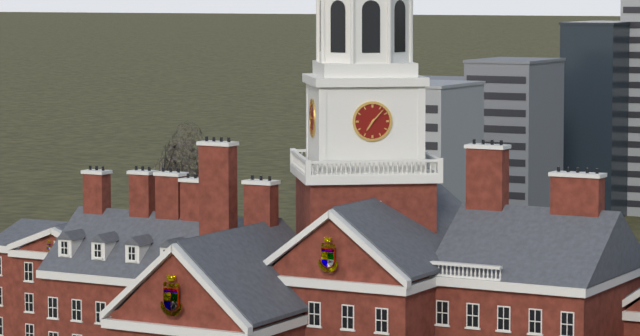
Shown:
h=7 m=7
